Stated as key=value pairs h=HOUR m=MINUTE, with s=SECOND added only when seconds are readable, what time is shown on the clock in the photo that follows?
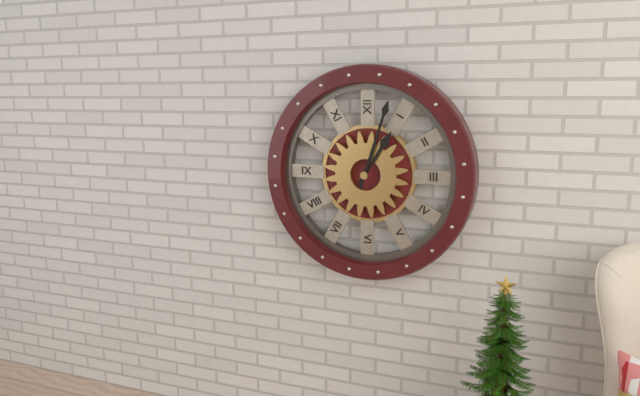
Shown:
h=1 m=3
